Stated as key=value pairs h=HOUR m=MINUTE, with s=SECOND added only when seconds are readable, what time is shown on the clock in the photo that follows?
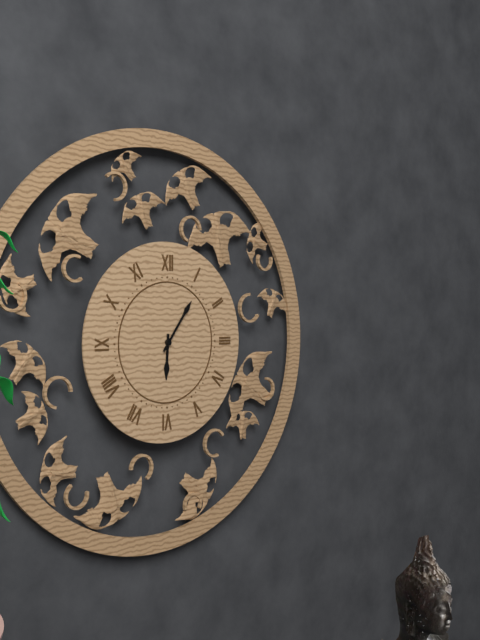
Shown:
h=6 m=6
